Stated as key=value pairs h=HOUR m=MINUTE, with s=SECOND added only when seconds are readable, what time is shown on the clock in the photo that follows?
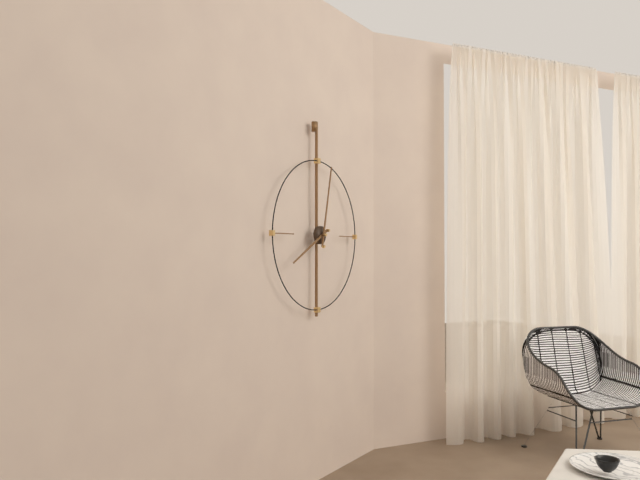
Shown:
h=8 m=2
